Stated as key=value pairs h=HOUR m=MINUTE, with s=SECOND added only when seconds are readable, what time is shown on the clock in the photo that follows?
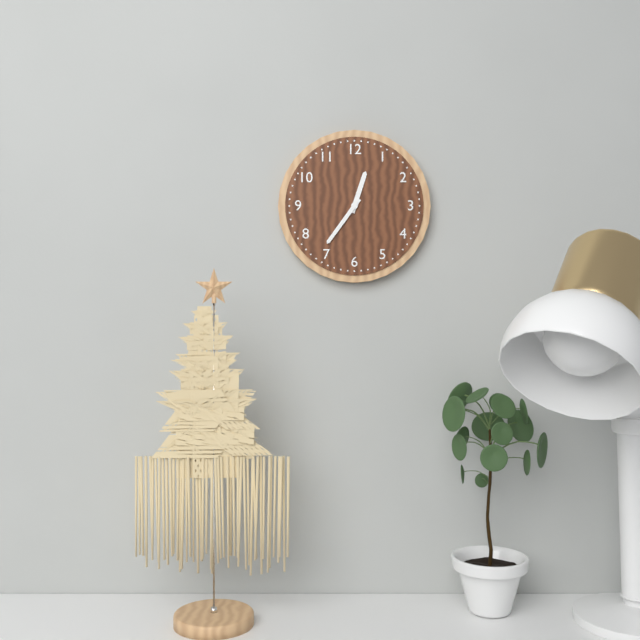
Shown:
h=12 m=36
